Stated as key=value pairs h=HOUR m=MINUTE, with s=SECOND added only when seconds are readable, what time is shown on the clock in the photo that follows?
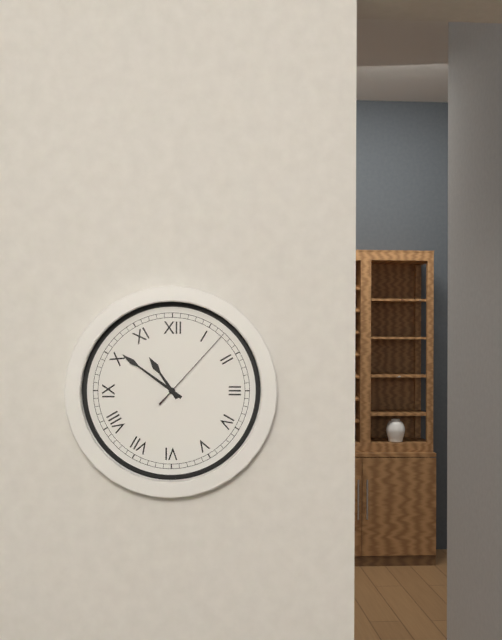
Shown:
h=10 m=51 s=7
